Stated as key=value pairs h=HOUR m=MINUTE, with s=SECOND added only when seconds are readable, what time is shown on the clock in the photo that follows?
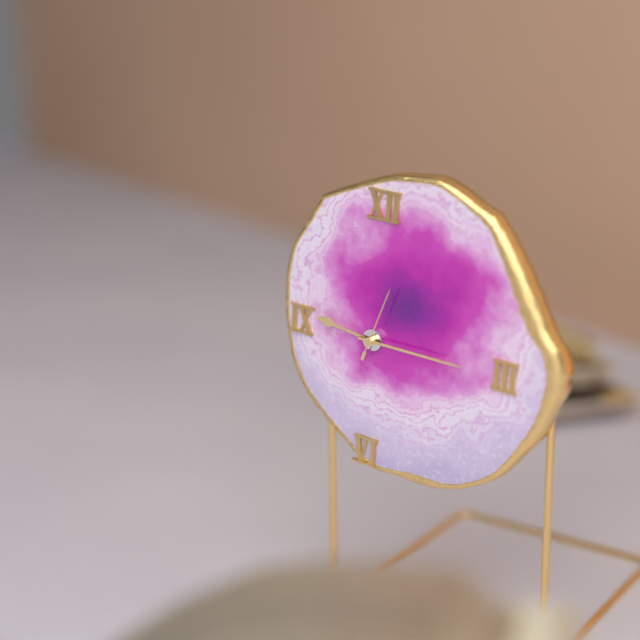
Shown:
h=9 m=15 s=3
